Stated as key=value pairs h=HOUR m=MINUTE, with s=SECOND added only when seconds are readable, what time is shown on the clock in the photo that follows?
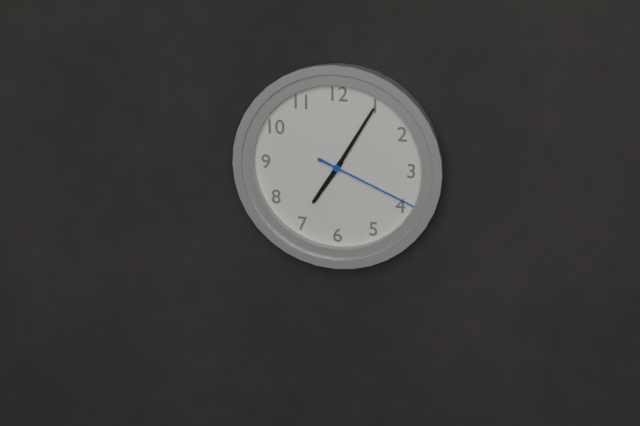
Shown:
h=7 m=5 s=19
